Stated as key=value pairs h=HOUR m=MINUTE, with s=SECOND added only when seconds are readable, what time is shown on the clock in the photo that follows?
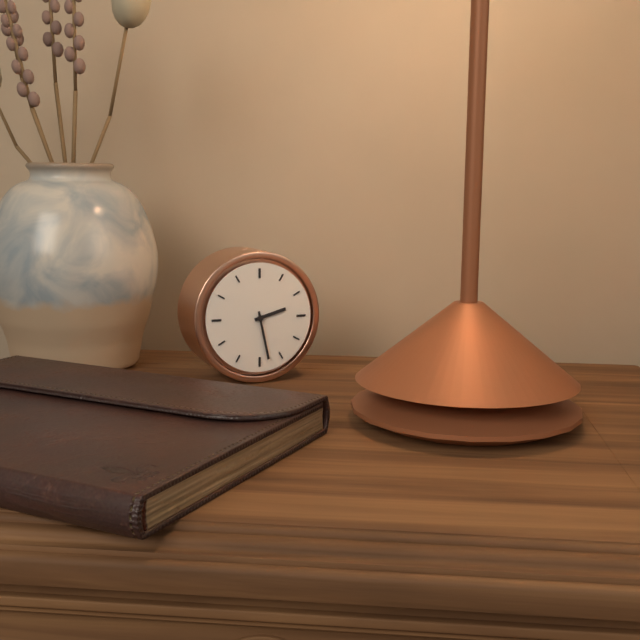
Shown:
h=2 m=28
